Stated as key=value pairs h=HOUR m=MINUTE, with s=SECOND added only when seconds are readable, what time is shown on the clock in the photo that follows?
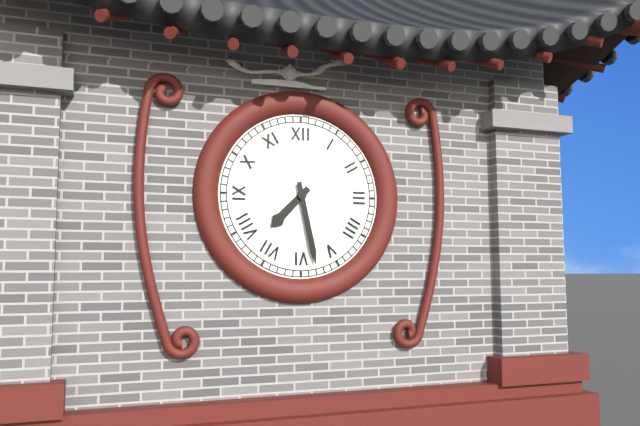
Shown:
h=7 m=28
